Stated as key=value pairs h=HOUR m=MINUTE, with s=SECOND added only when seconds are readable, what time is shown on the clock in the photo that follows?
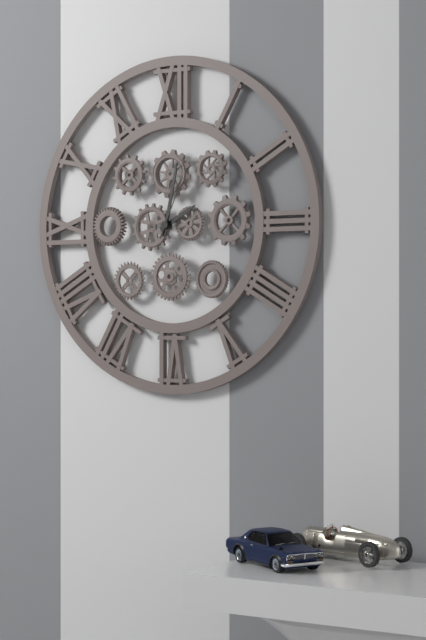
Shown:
h=2 m=2 s=4
